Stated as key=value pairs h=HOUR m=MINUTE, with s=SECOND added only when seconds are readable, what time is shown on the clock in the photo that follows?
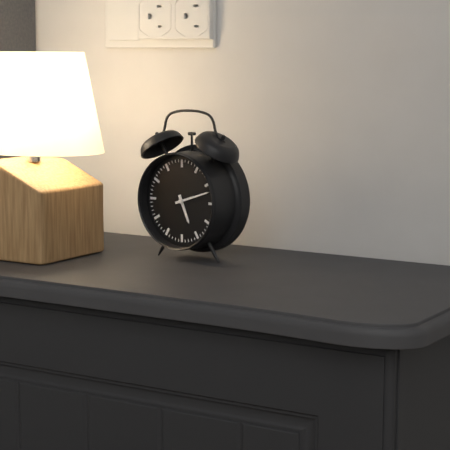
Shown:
h=5 m=12
